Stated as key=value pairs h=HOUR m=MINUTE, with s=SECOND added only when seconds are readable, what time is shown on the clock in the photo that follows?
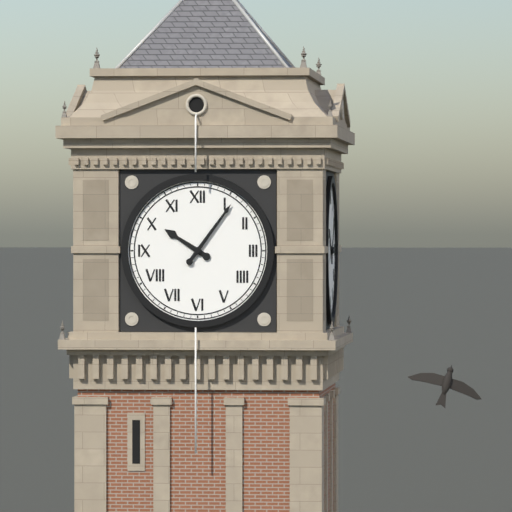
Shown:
h=10 m=6
